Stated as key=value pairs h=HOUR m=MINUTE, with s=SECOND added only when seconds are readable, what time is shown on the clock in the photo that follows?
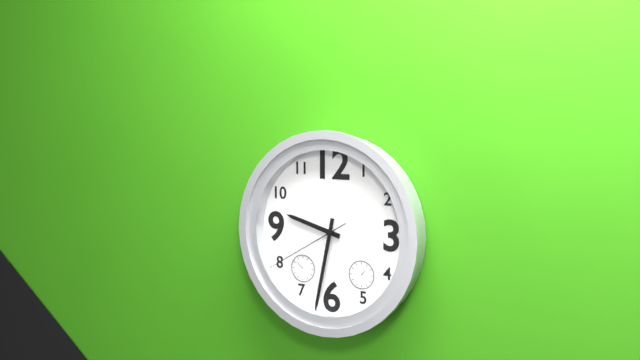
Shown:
h=9 m=32 s=40
